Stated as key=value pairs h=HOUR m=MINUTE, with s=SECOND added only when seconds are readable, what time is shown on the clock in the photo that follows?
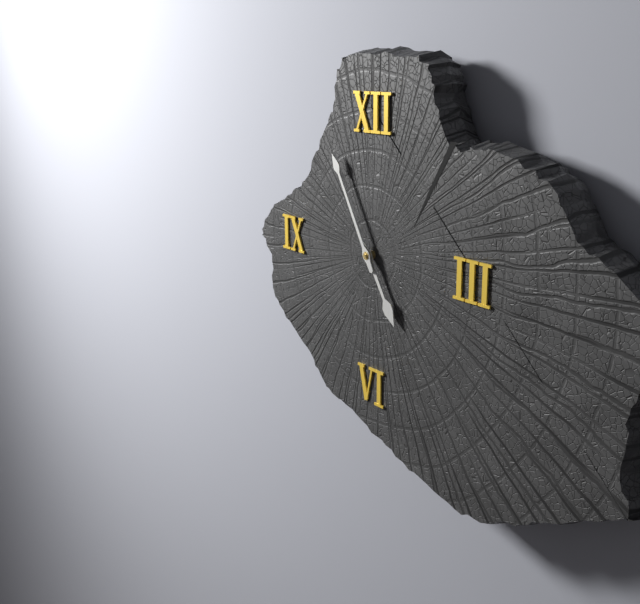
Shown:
h=4 m=55
